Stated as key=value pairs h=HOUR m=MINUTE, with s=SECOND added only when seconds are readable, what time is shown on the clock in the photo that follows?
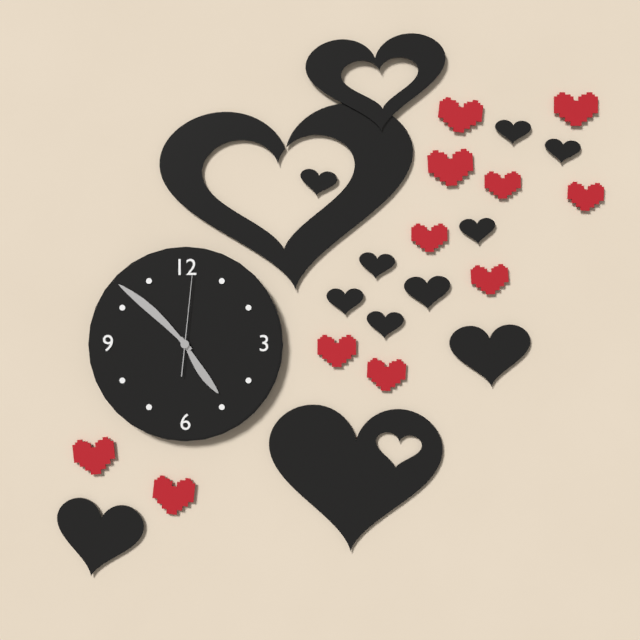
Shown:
h=4 m=52 s=1
